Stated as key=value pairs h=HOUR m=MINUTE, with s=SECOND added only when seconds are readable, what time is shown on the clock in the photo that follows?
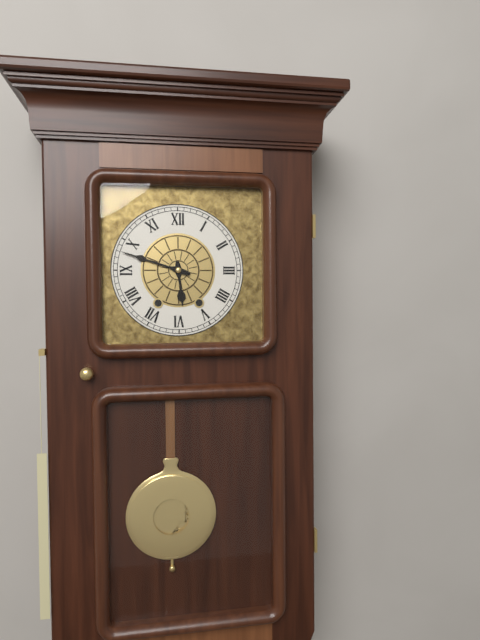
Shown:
h=5 m=48
